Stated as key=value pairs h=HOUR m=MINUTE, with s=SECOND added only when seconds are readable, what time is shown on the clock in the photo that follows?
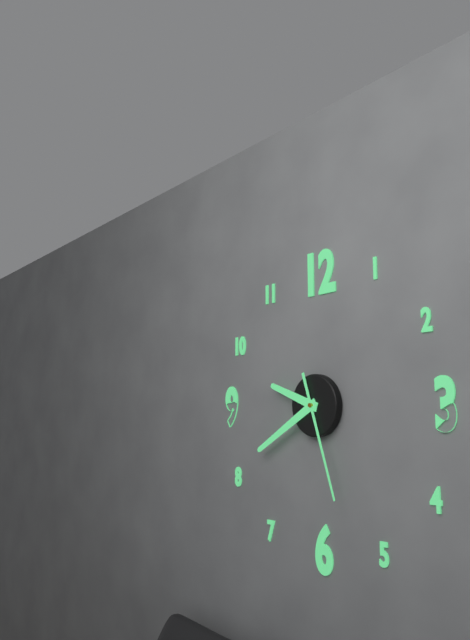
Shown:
h=9 m=40 s=27
